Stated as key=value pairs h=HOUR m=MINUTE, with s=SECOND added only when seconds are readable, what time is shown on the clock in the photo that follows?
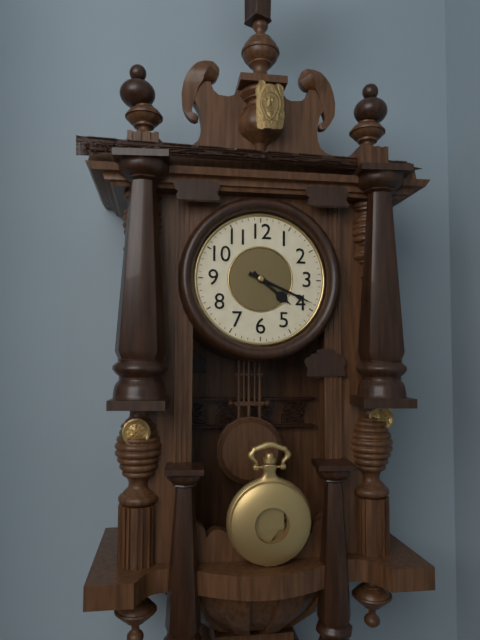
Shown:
h=4 m=19
